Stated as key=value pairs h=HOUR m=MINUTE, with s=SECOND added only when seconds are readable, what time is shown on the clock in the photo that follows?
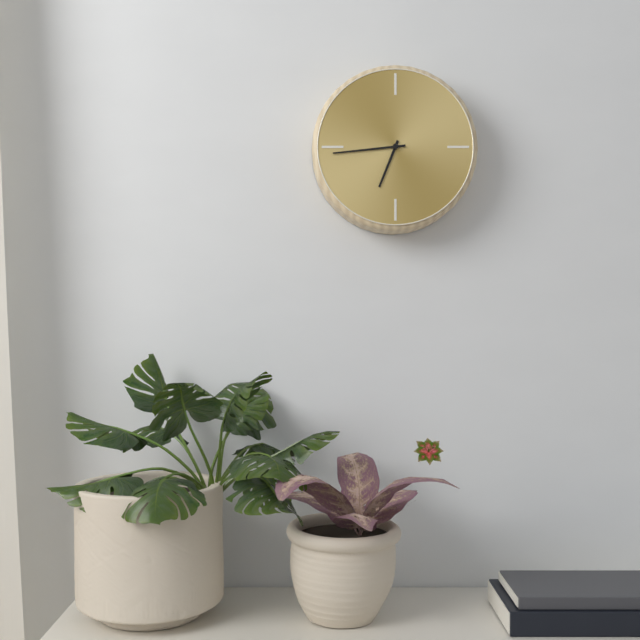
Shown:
h=6 m=44
